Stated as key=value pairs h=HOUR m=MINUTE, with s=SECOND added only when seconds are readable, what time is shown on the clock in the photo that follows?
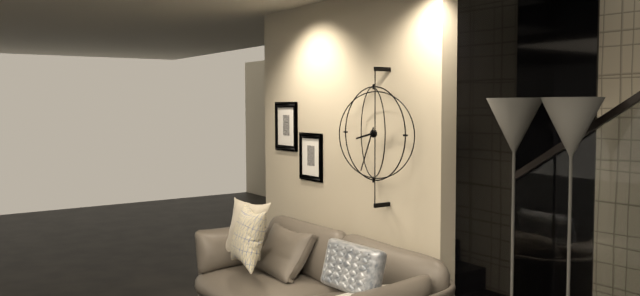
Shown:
h=8 m=34
